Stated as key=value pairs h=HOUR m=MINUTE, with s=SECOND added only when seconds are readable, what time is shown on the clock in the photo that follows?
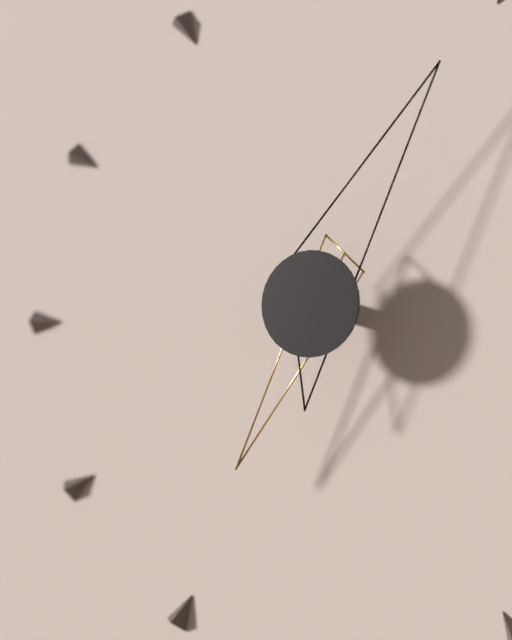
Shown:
h=7 m=5
